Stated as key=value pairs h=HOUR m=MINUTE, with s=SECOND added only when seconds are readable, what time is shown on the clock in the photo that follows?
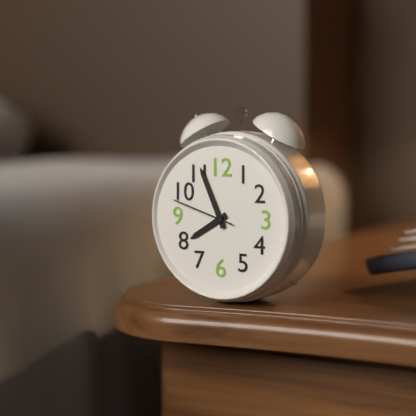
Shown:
h=7 m=56 s=48
